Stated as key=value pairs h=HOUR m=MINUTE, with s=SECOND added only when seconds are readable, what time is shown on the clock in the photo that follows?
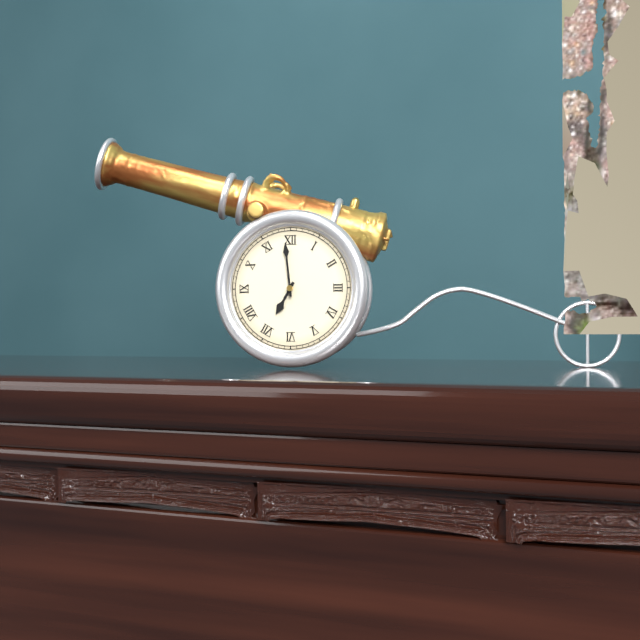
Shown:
h=6 m=59
